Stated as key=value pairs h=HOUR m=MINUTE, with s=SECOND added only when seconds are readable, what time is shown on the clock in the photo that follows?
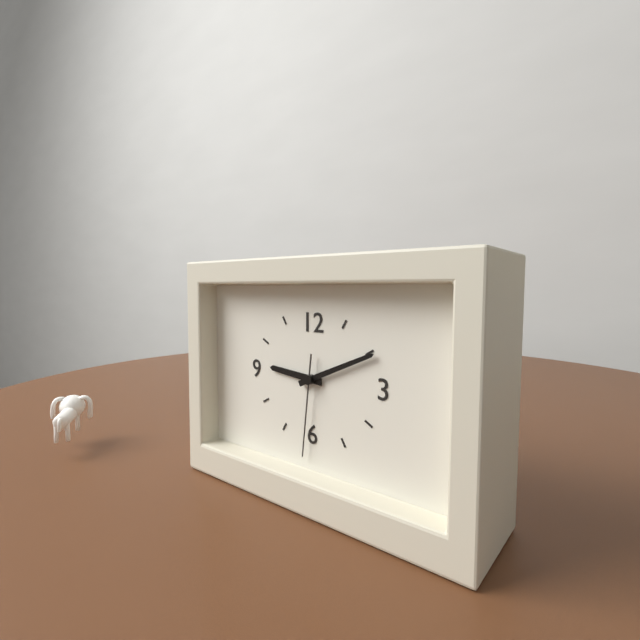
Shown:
h=9 m=11 s=31
